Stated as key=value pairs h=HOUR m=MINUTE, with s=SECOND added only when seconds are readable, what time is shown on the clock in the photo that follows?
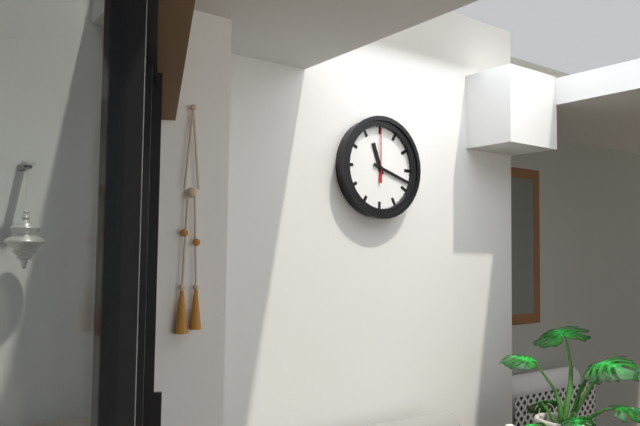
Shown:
h=11 m=18 s=0
